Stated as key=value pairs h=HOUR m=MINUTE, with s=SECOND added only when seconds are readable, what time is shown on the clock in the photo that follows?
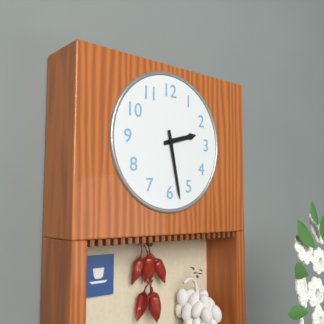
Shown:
h=2 m=28
